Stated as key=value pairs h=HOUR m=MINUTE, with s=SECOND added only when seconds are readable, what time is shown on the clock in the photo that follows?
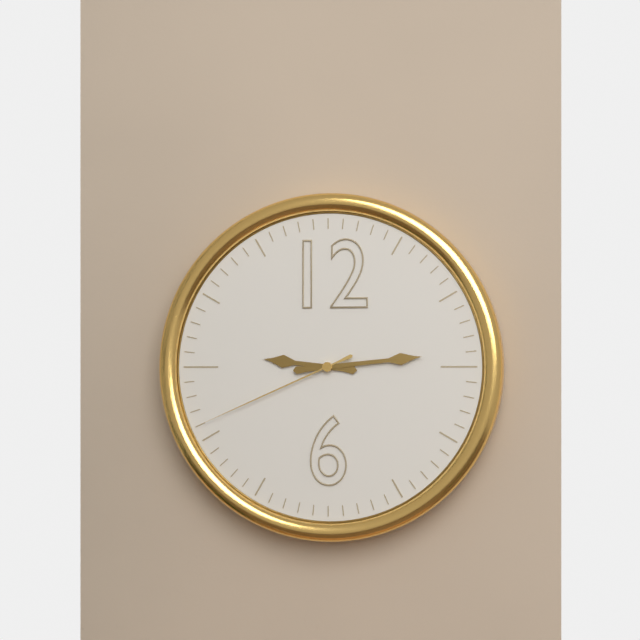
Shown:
h=9 m=14 s=41
